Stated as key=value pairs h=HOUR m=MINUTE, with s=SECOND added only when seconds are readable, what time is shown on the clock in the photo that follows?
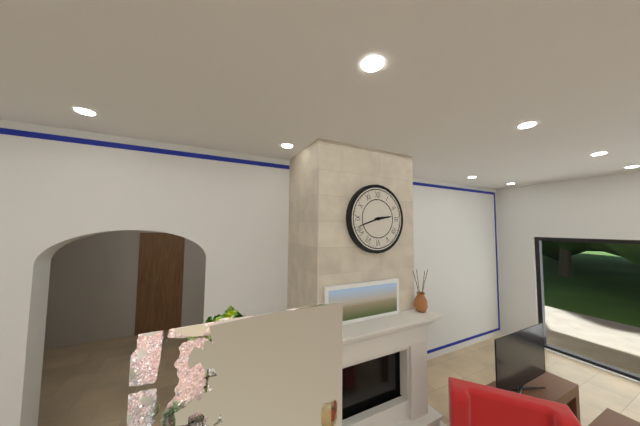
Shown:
h=2 m=42
